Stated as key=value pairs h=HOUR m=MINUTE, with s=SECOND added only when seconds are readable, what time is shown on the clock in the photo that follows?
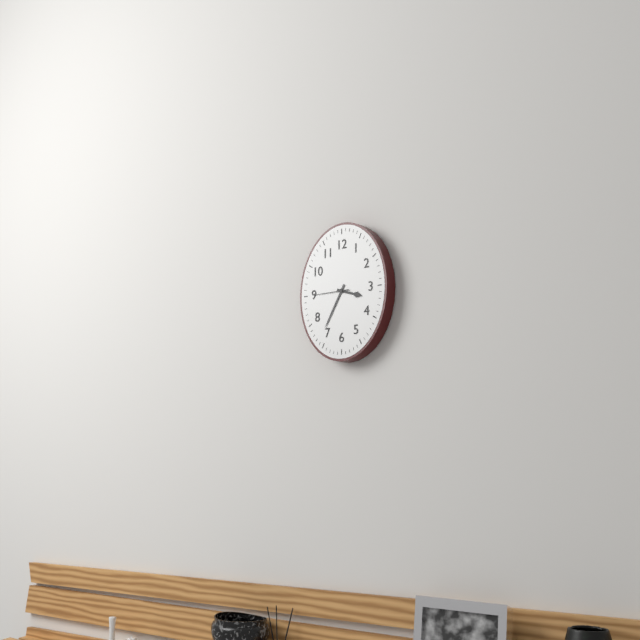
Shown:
h=3 m=35
